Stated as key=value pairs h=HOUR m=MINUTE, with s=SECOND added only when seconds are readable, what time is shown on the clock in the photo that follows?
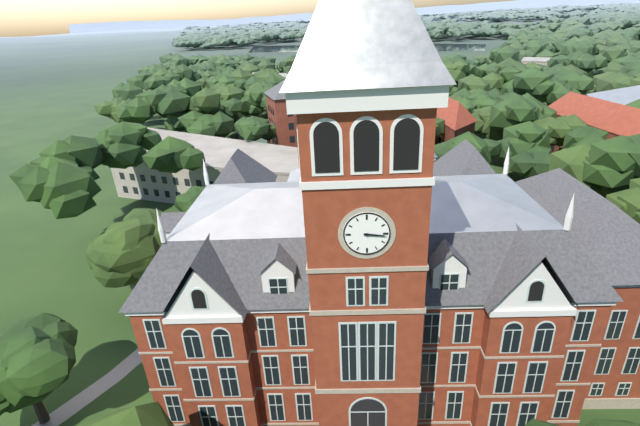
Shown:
h=3 m=16
